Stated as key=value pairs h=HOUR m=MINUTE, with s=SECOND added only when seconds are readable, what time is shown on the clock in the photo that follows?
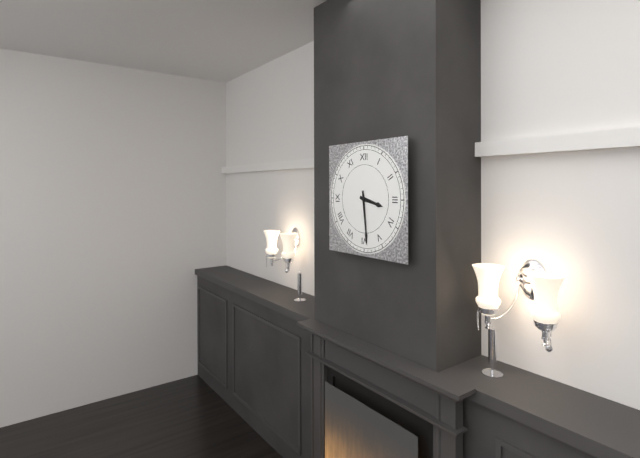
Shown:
h=3 m=29
